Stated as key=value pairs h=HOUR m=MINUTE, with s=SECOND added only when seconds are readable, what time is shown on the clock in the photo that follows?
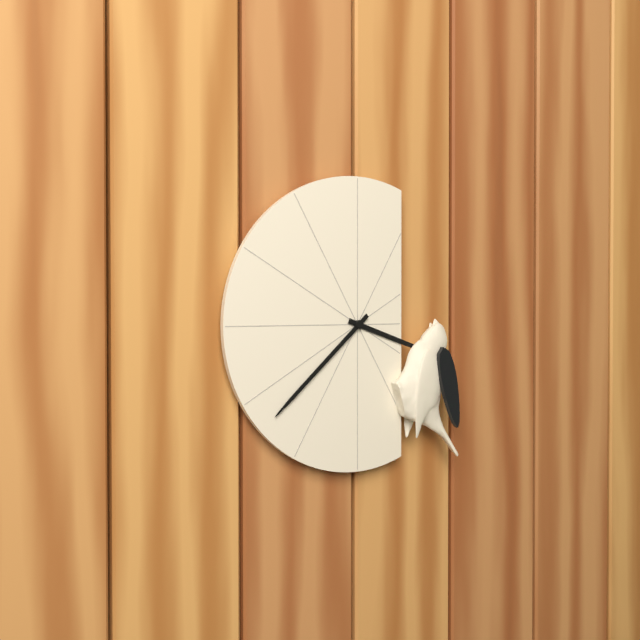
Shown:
h=3 m=38
